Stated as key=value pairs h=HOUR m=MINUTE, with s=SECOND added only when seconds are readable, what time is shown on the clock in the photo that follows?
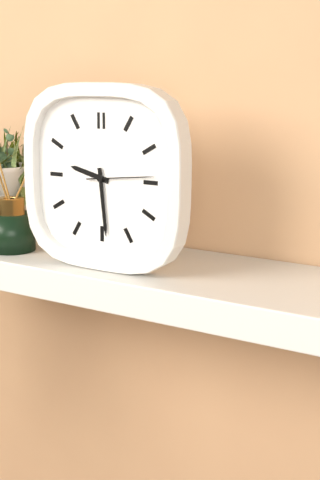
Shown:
h=9 m=29 s=14
